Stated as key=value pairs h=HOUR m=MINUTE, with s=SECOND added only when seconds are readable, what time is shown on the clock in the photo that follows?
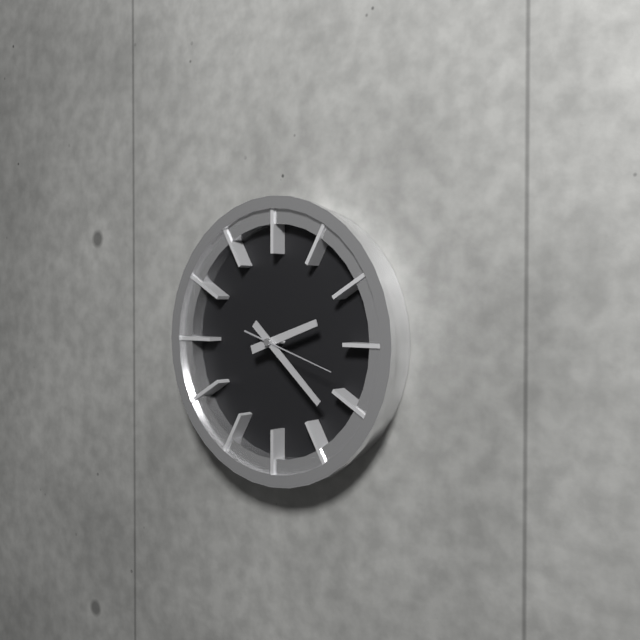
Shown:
h=2 m=22 s=18
